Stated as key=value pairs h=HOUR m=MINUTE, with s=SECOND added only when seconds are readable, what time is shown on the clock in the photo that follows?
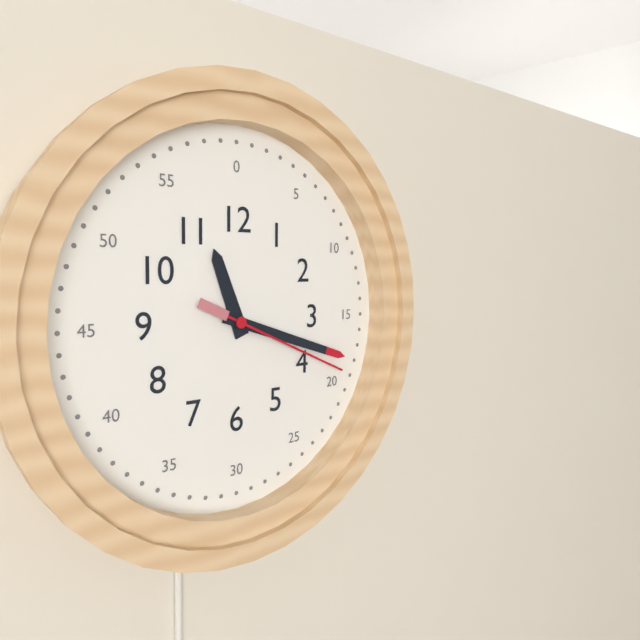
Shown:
h=11 m=18 s=19
